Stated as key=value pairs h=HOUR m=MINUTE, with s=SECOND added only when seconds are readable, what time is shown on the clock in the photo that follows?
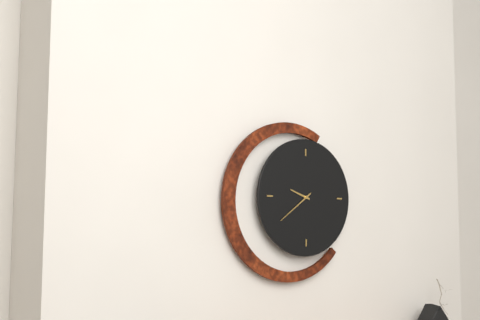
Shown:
h=9 m=39
